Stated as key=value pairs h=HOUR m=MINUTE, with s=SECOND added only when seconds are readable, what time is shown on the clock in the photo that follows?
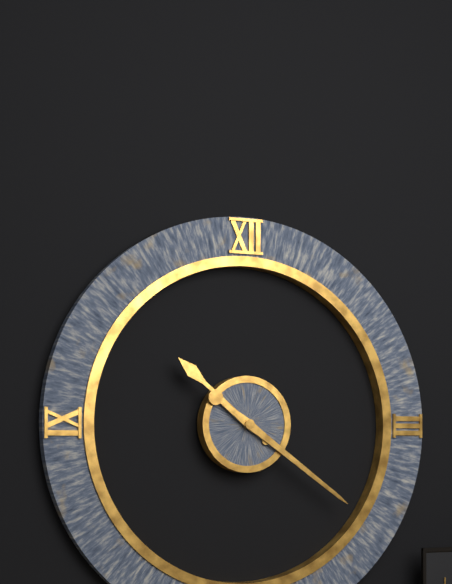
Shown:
h=10 m=21
